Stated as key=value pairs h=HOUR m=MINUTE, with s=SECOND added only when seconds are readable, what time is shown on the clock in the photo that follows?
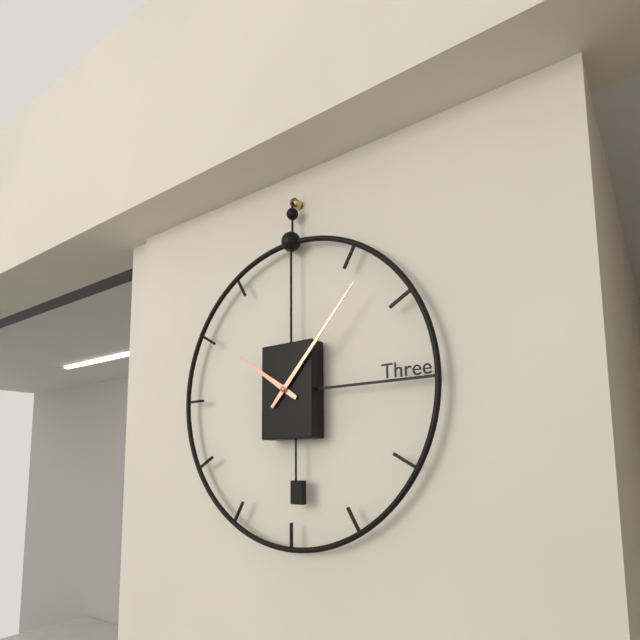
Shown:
h=10 m=7
